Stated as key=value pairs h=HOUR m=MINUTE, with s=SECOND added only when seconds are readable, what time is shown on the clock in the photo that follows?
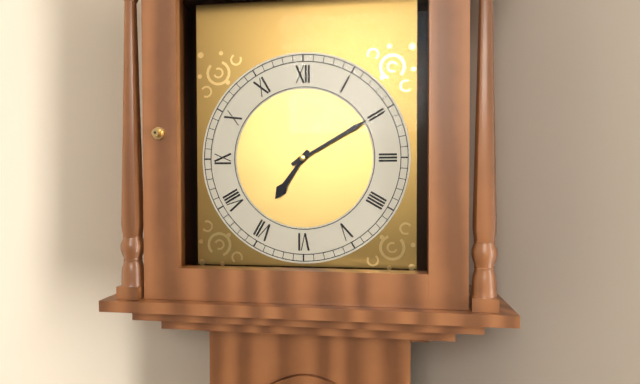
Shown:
h=7 m=10
